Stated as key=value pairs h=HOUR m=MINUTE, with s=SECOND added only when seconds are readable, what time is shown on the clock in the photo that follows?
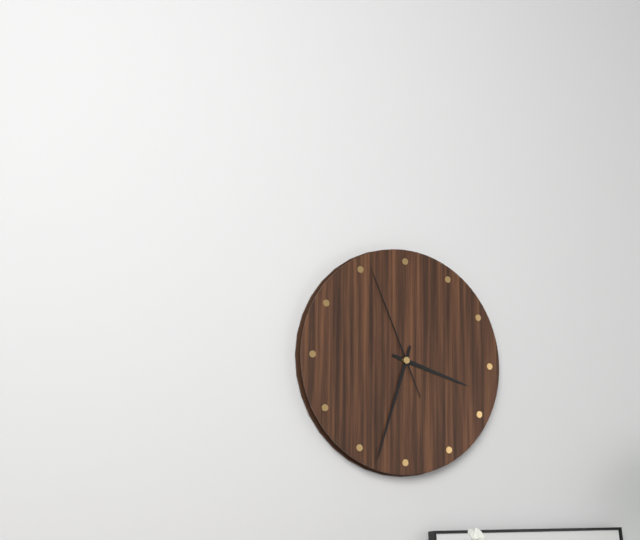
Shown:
h=3 m=33 s=56
